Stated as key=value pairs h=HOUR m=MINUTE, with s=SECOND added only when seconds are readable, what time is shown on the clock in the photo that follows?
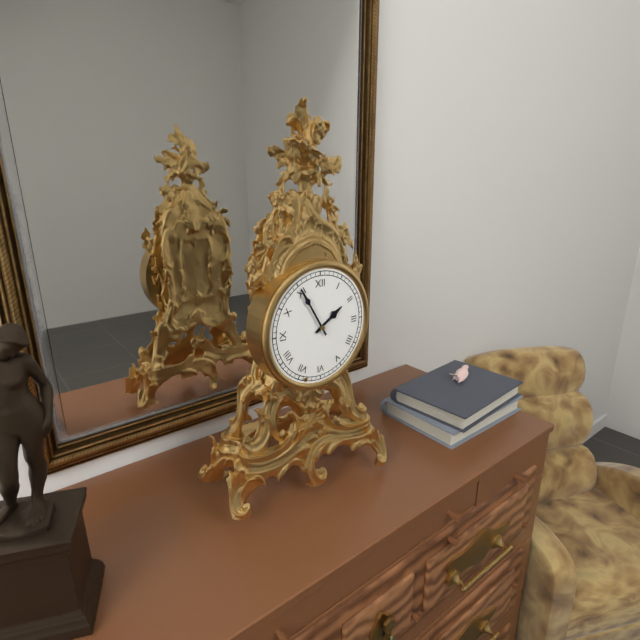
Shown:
h=1 m=55
